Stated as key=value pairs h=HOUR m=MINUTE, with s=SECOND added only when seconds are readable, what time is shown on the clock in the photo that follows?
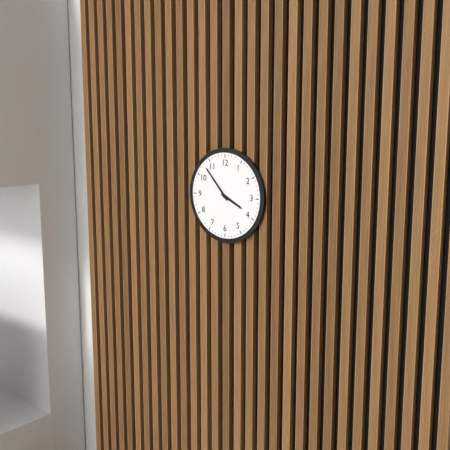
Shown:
h=3 m=53
